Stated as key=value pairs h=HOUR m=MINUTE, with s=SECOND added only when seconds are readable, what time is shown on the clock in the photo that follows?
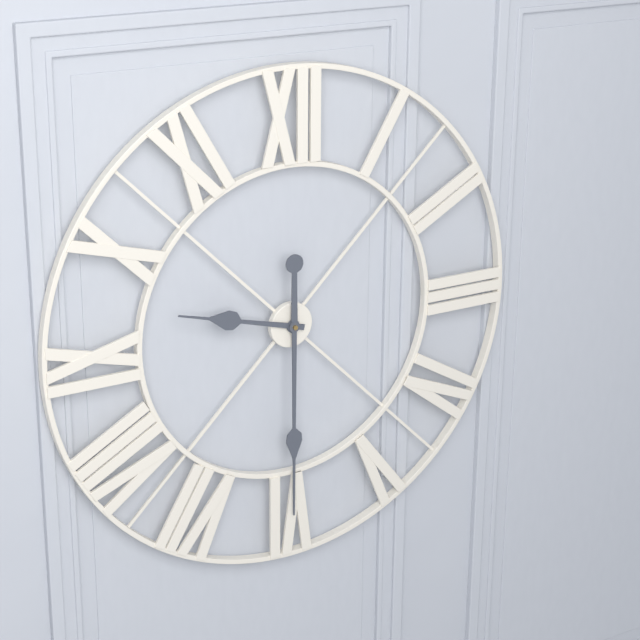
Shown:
h=9 m=30
